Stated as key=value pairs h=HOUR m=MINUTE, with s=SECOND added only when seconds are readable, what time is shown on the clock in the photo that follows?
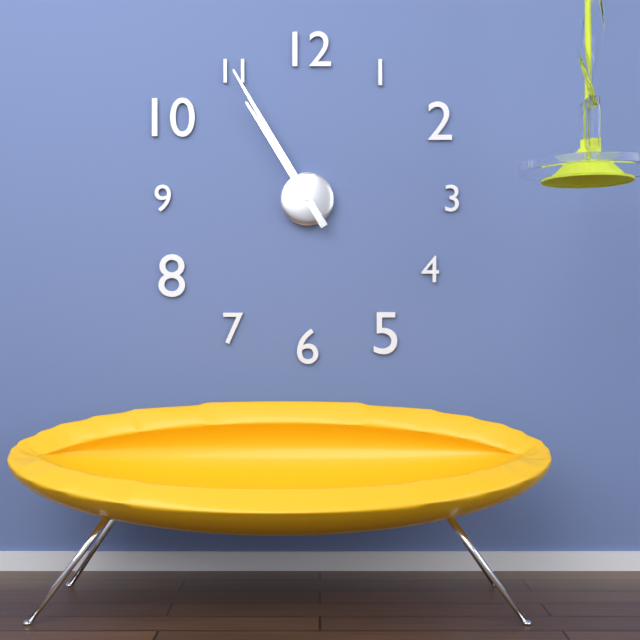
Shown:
h=10 m=55
